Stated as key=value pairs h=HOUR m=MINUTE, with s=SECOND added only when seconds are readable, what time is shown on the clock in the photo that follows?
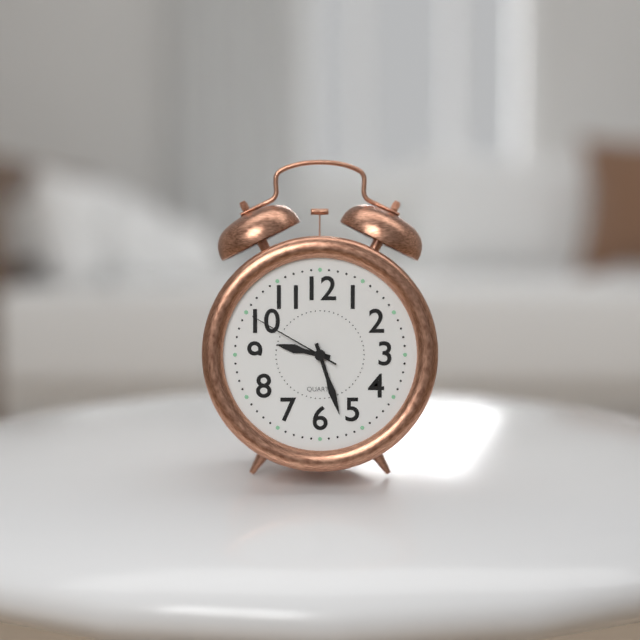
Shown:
h=9 m=27 s=50
